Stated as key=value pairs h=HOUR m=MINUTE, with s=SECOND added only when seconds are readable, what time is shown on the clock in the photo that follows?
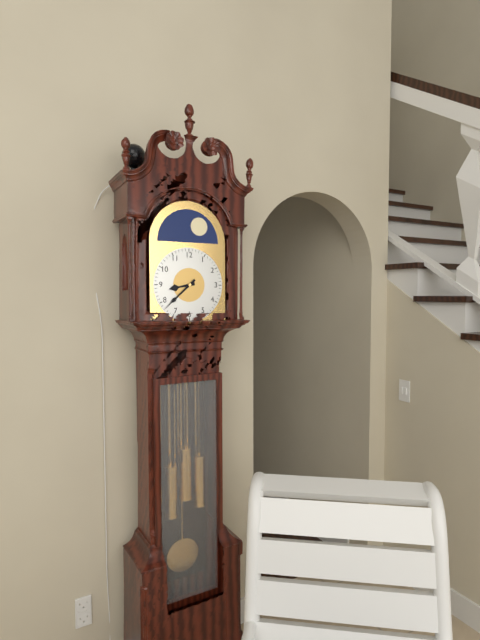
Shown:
h=8 m=38
